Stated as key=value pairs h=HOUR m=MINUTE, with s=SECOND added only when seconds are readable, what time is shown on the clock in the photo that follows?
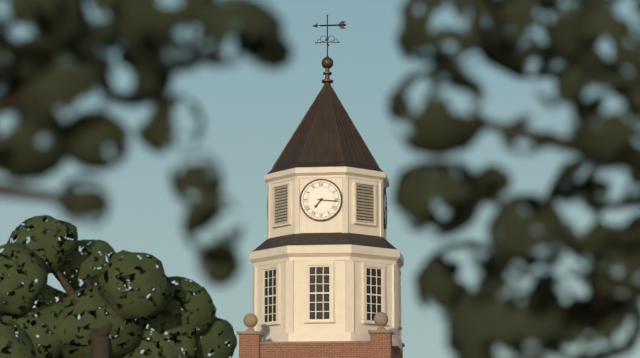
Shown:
h=7 m=16
